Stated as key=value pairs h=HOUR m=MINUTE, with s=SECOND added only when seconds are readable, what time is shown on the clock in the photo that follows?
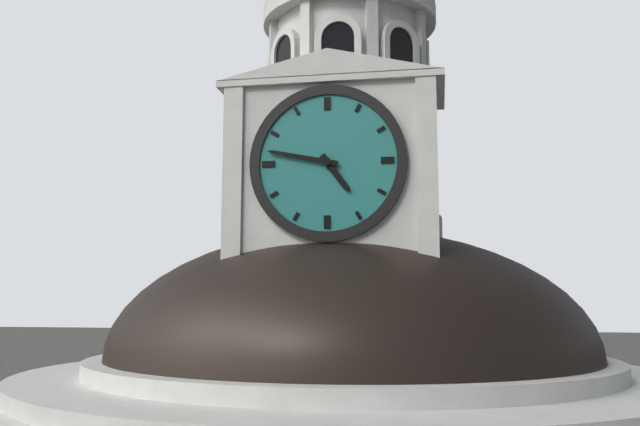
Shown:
h=4 m=47
